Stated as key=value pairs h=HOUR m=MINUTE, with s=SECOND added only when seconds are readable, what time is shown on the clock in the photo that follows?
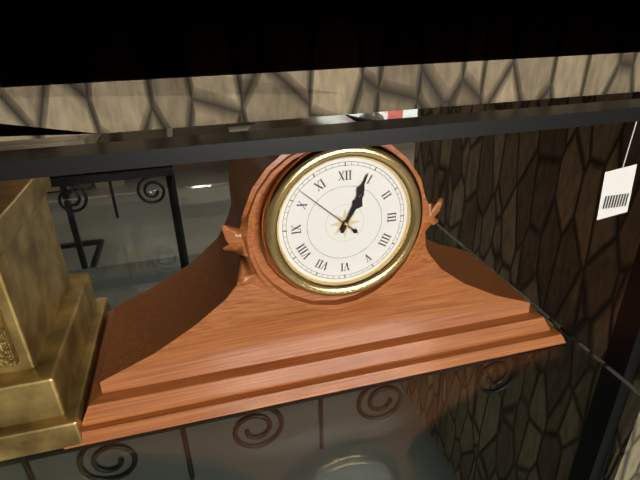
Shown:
h=1 m=4 s=52
